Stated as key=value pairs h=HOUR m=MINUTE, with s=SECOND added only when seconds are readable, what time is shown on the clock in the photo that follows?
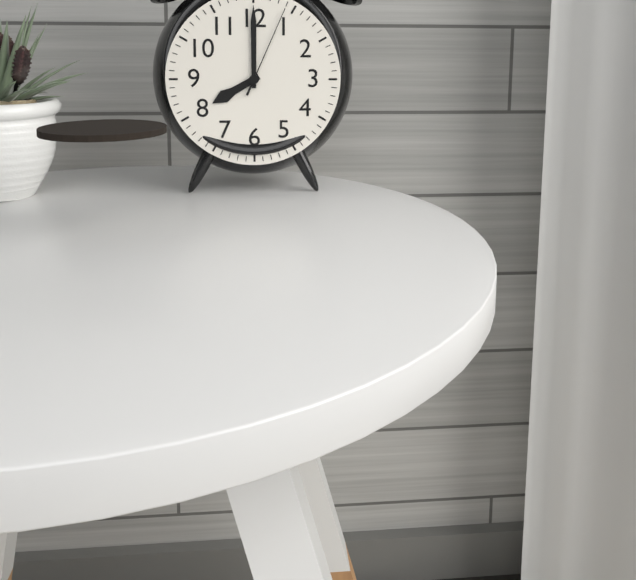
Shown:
h=8 m=0 s=4
